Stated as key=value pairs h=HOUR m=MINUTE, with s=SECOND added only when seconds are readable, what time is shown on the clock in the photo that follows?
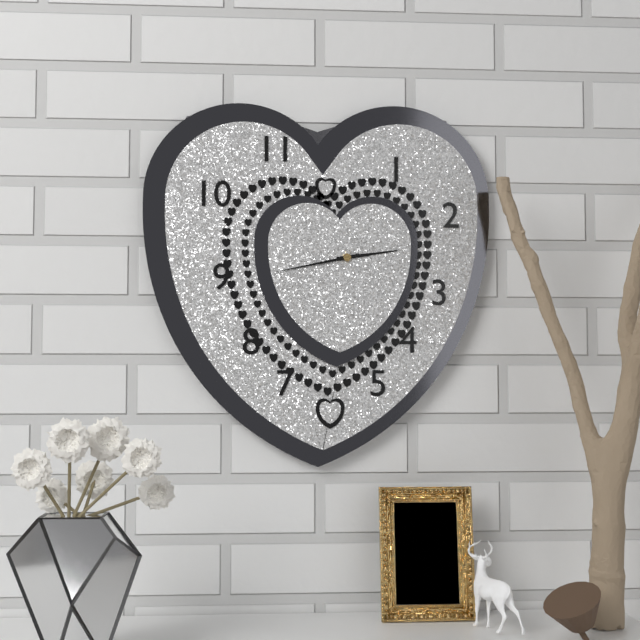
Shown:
h=2 m=43
